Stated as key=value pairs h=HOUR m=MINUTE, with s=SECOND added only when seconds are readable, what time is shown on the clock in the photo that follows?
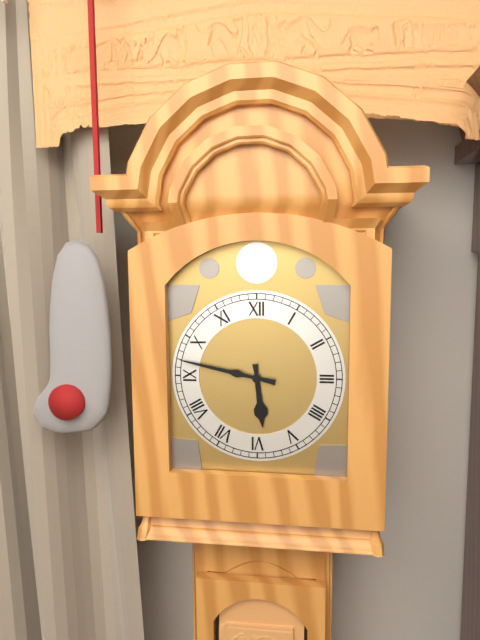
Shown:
h=5 m=47
